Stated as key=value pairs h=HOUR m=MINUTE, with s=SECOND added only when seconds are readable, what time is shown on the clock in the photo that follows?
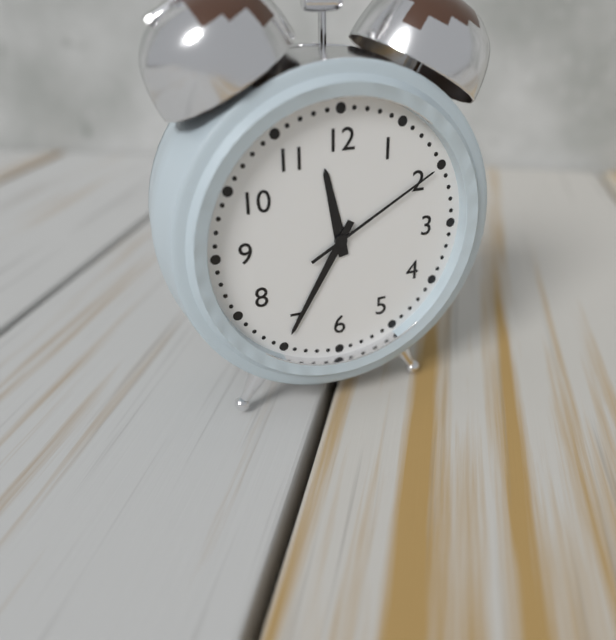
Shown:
h=11 m=35 s=10
